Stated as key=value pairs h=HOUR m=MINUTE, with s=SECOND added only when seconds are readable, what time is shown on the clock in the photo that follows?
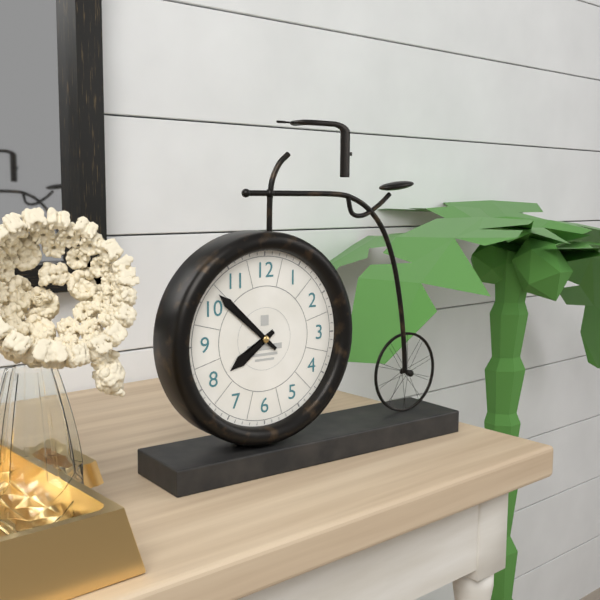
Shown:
h=7 m=52
